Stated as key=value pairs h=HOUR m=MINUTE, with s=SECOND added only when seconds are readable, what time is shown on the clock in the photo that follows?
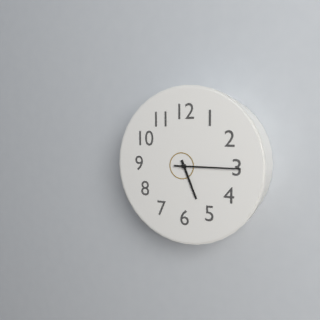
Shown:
h=5 m=15
